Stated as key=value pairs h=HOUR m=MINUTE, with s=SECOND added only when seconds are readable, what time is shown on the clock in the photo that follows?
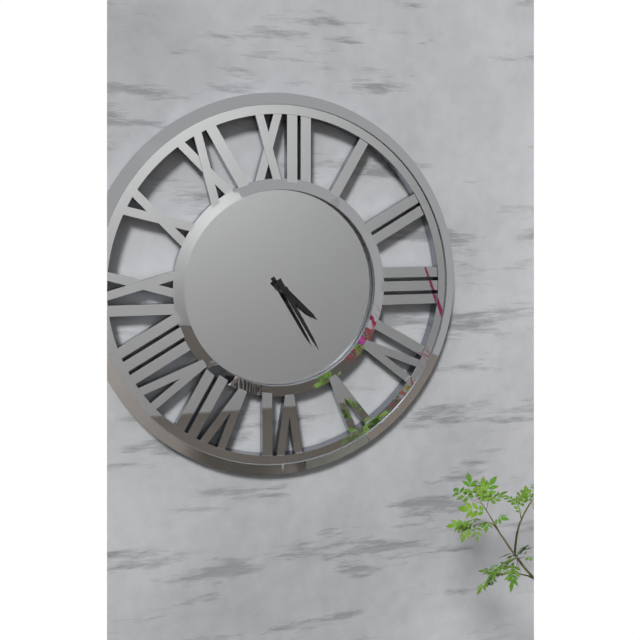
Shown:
h=4 m=25
